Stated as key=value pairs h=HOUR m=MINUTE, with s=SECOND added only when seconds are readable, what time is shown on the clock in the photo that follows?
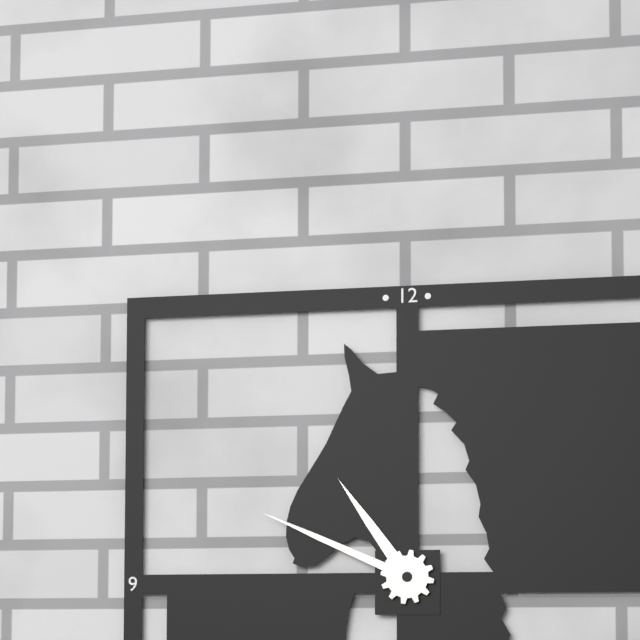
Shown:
h=10 m=49
